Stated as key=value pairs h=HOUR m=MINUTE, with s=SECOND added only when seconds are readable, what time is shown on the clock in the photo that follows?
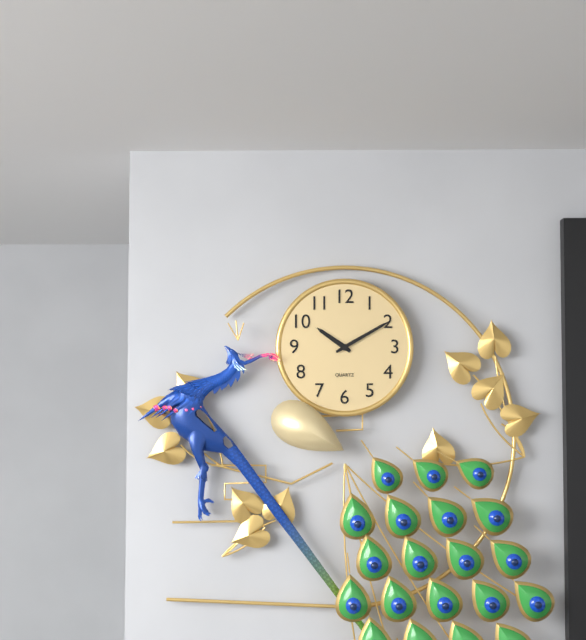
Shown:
h=10 m=10
